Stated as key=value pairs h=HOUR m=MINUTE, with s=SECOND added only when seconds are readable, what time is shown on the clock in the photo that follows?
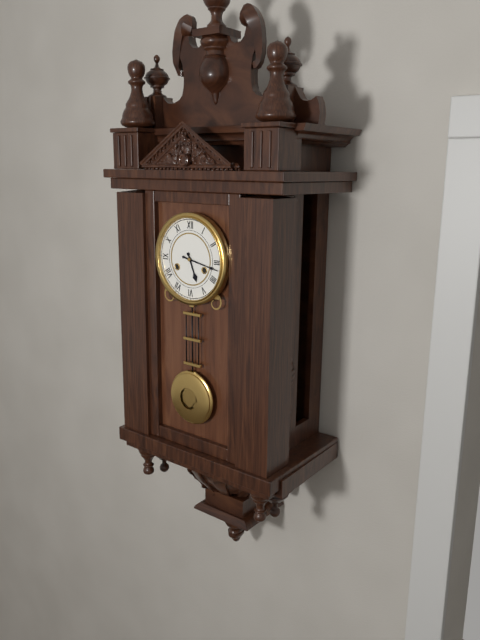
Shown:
h=5 m=17
